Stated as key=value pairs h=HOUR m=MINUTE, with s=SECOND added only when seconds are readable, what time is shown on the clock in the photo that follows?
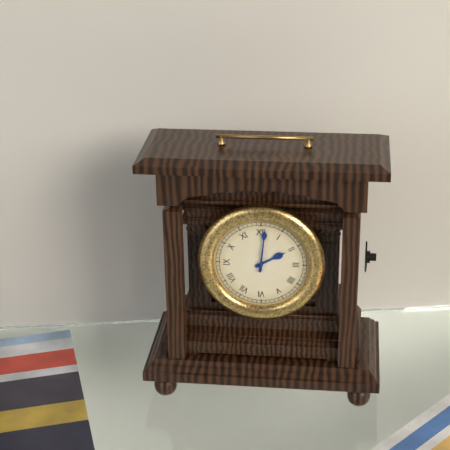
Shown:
h=2 m=1
